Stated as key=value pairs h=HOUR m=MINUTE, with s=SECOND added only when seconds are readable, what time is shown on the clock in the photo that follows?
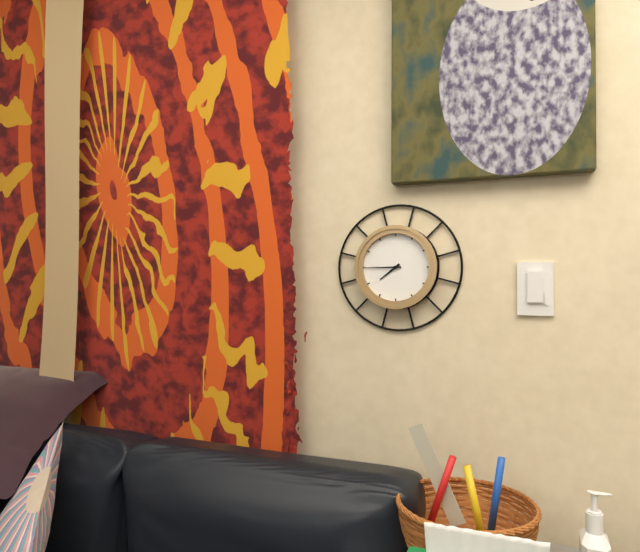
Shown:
h=7 m=45
